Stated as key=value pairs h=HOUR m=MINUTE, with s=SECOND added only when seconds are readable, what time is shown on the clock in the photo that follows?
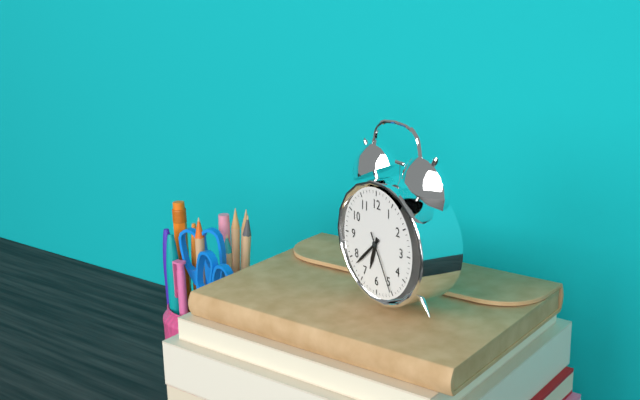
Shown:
h=6 m=38 s=25
